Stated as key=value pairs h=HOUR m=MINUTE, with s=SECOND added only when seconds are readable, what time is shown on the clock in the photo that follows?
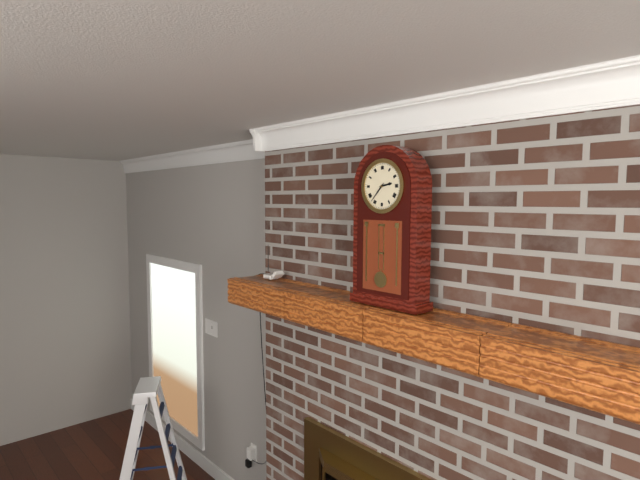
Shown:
h=2 m=37
